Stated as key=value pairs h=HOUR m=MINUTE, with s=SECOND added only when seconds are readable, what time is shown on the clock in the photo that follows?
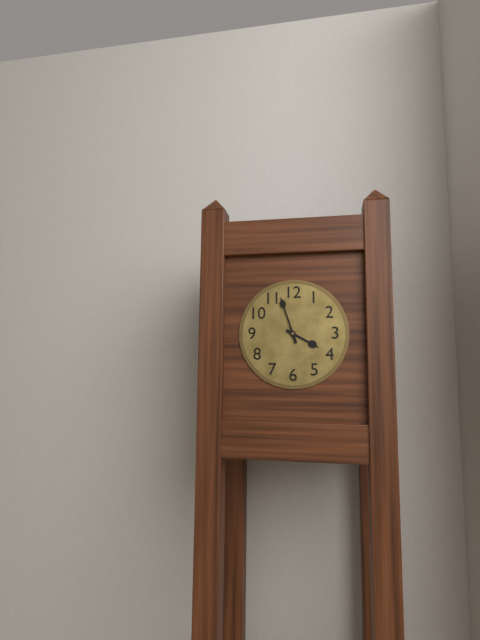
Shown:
h=3 m=57
